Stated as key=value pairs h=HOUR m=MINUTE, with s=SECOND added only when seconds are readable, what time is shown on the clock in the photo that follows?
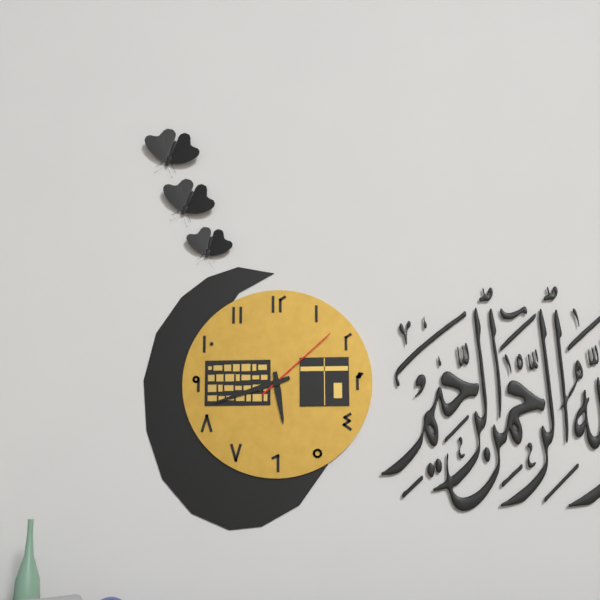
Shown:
h=5 m=42 s=8
